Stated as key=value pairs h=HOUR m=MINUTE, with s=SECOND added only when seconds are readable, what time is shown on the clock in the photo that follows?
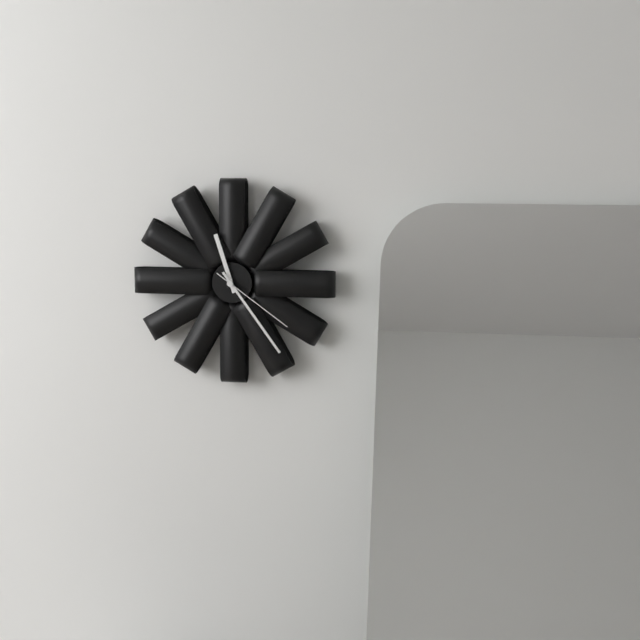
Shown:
h=11 m=24 s=21
